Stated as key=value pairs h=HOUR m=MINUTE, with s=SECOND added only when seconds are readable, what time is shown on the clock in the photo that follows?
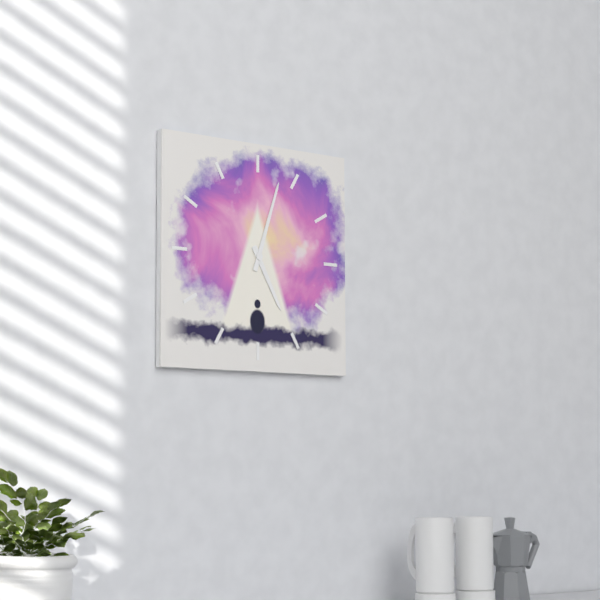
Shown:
h=5 m=3
